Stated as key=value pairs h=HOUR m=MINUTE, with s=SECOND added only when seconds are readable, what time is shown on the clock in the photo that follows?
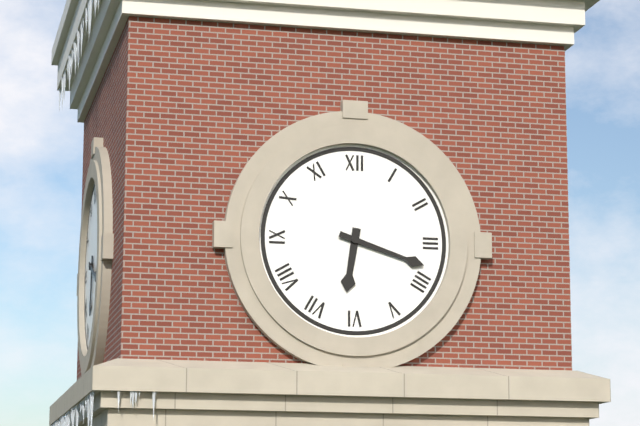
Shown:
h=6 m=18
